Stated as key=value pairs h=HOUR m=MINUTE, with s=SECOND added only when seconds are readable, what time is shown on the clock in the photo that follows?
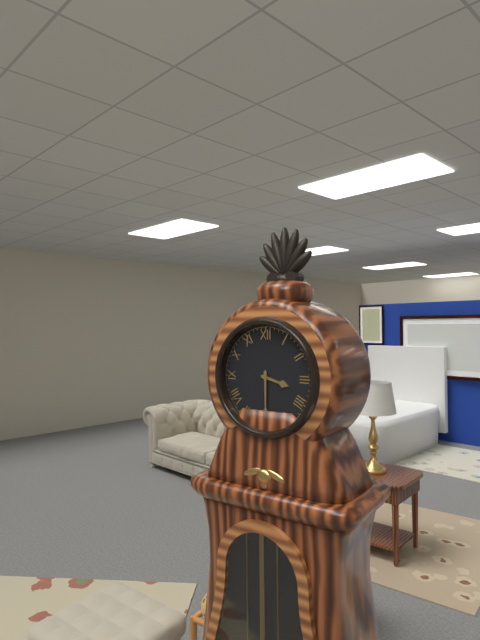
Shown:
h=3 m=30
